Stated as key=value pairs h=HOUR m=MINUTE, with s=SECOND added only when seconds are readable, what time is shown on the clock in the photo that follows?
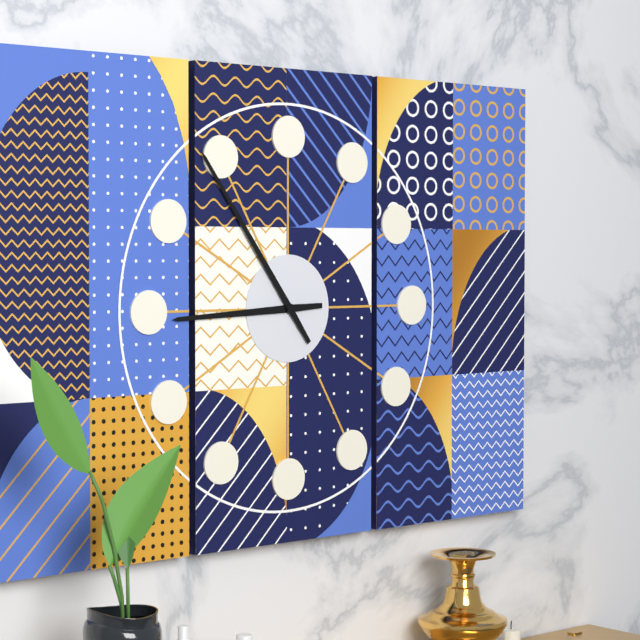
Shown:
h=8 m=54
